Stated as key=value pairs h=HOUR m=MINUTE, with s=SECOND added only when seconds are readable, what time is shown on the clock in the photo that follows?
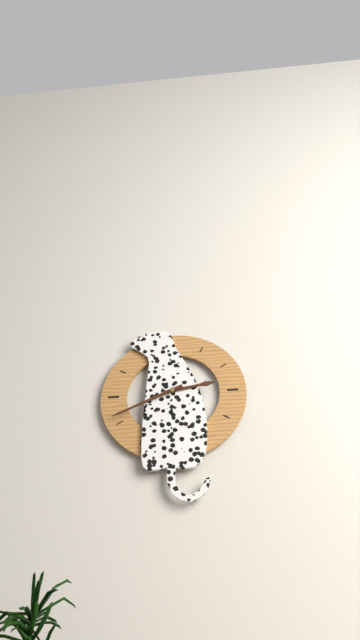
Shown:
h=2 m=41
